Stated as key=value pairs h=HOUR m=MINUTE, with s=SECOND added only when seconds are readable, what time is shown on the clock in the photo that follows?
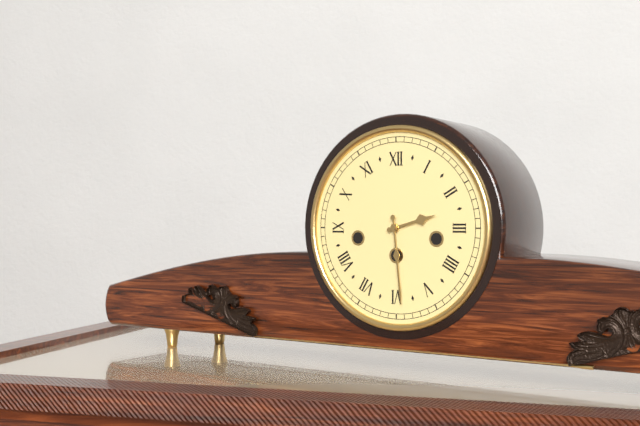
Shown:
h=2 m=29
